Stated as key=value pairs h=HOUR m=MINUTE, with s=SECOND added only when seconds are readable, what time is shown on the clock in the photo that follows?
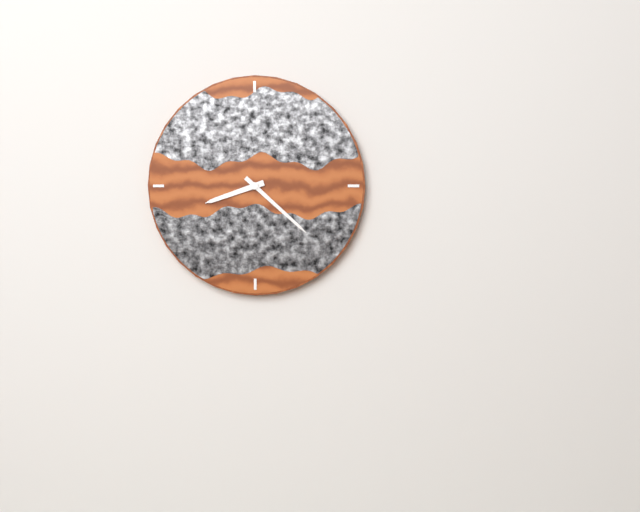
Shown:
h=8 m=22
